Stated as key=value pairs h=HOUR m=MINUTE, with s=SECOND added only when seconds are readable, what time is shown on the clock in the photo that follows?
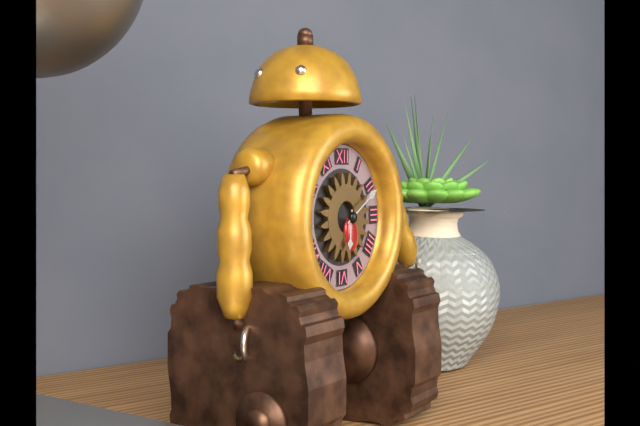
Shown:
h=6 m=10
